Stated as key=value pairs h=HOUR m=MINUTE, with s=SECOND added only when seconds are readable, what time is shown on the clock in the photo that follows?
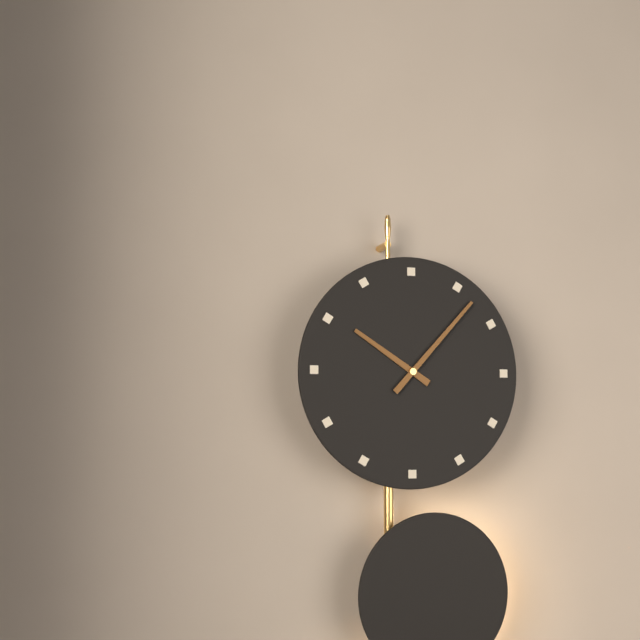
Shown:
h=10 m=7
